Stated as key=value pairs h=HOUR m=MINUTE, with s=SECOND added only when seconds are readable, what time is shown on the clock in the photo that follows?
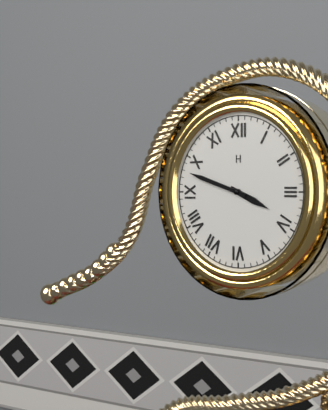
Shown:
h=3 m=48
